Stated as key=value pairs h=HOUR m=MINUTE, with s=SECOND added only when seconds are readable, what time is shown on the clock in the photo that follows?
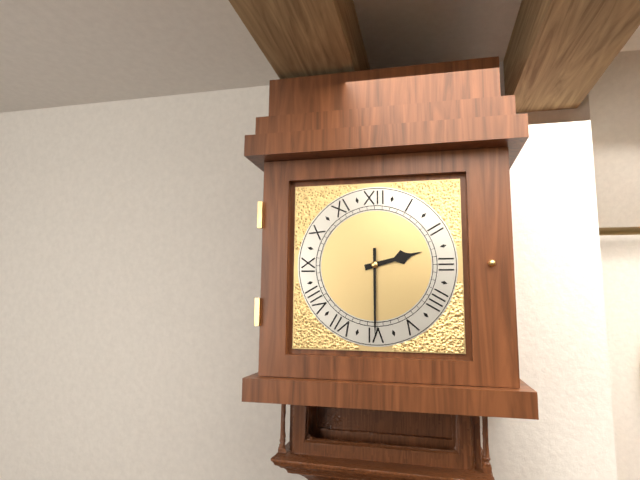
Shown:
h=2 m=30
